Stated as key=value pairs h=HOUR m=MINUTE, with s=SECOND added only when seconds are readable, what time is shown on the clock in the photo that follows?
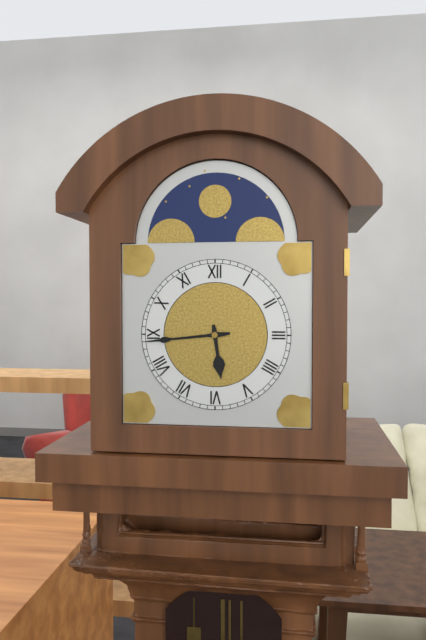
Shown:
h=5 m=44
